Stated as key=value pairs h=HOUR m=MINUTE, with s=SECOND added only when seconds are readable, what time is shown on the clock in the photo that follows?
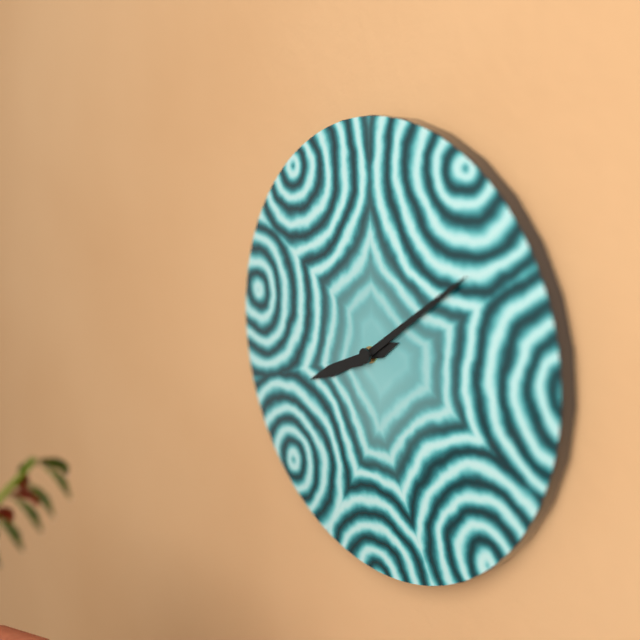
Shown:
h=8 m=9
